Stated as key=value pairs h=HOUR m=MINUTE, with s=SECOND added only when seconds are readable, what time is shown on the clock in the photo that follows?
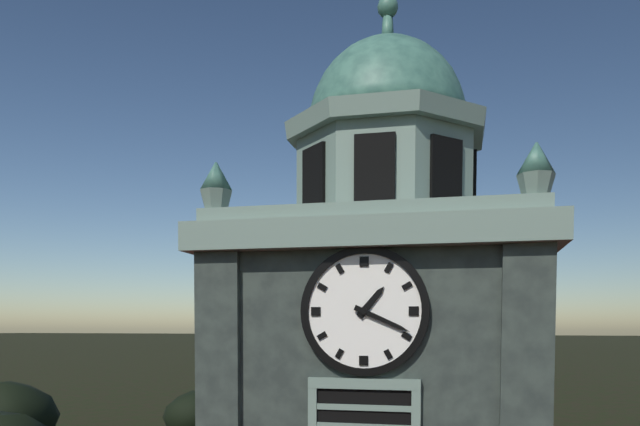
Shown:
h=1 m=19
